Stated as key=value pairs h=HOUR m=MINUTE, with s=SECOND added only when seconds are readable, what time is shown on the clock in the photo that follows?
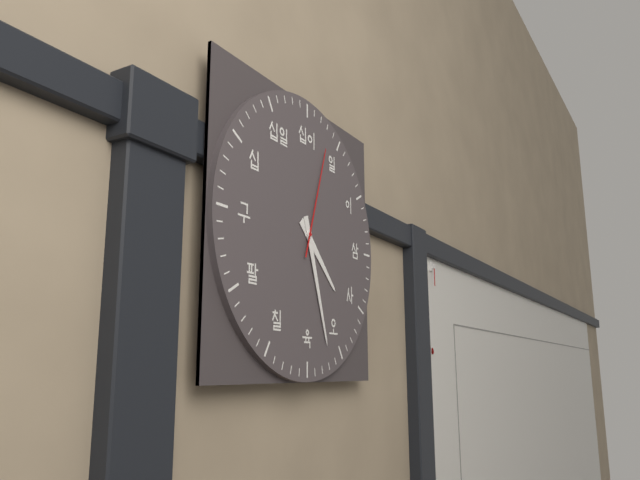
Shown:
h=4 m=27 s=3
